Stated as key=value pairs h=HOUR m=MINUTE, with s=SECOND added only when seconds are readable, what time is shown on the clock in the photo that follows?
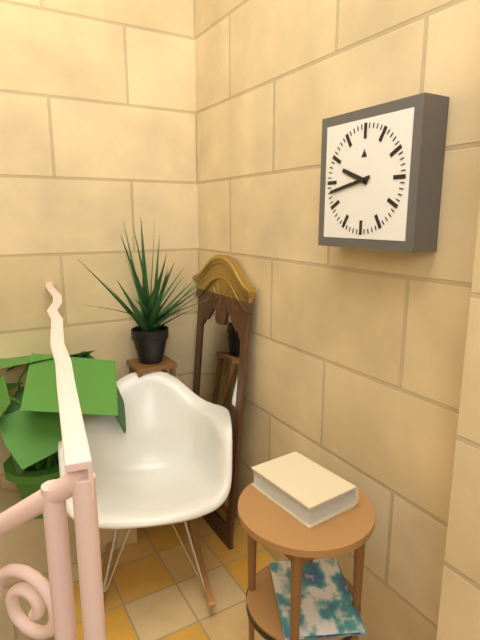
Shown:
h=9 m=43
